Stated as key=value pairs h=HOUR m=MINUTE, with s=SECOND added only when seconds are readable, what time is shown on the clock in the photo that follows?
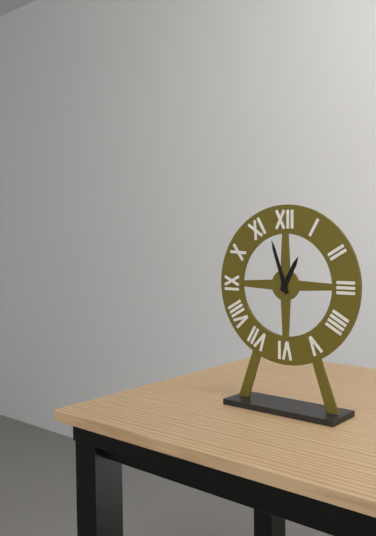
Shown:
h=12 m=57
